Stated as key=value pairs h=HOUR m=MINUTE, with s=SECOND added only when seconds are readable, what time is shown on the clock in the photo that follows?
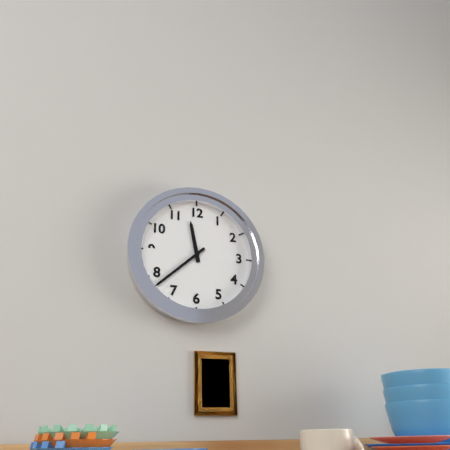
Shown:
h=11 m=38
